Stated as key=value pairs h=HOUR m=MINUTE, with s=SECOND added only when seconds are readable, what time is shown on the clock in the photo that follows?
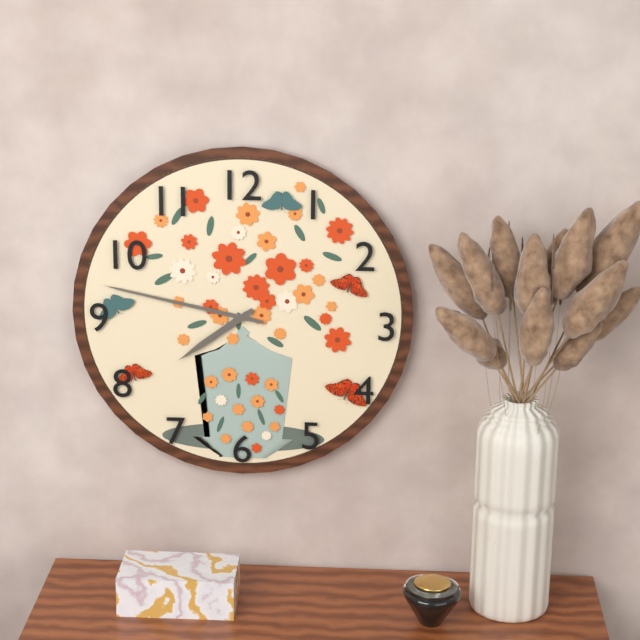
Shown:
h=7 m=47
